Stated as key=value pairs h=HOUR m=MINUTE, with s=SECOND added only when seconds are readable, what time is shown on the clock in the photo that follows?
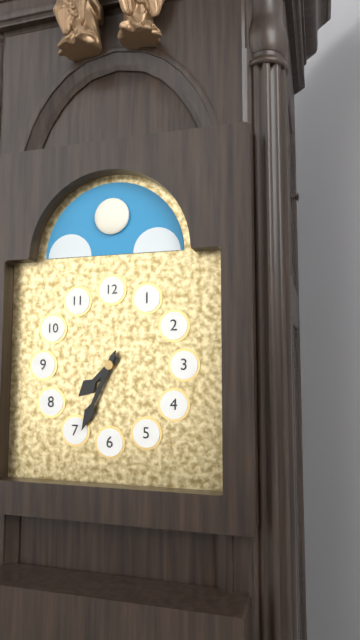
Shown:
h=7 m=34
